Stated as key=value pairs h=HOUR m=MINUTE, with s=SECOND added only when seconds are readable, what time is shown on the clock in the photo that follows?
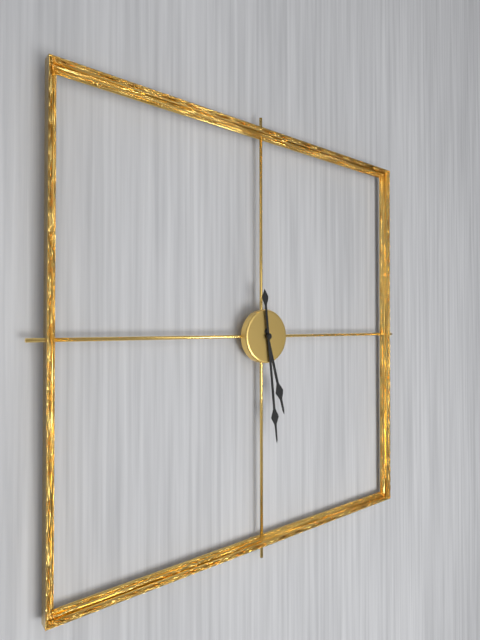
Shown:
h=5 m=29
